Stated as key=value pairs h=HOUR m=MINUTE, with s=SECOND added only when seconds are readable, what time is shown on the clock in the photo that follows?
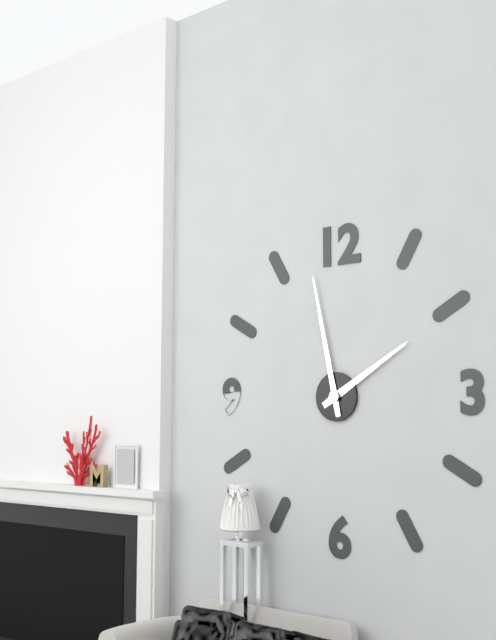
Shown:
h=1 m=58
